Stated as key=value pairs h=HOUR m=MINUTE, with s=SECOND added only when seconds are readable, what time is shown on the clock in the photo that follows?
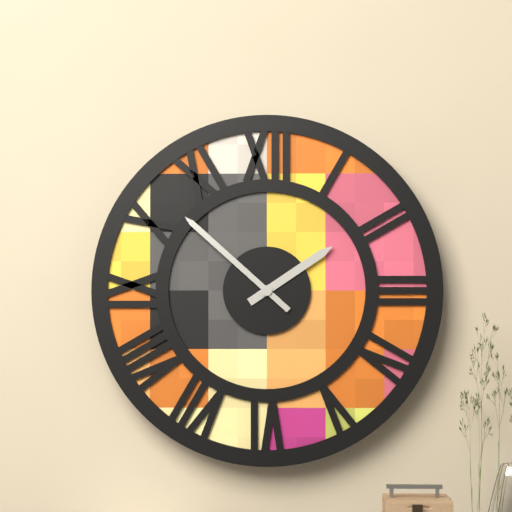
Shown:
h=1 m=52
